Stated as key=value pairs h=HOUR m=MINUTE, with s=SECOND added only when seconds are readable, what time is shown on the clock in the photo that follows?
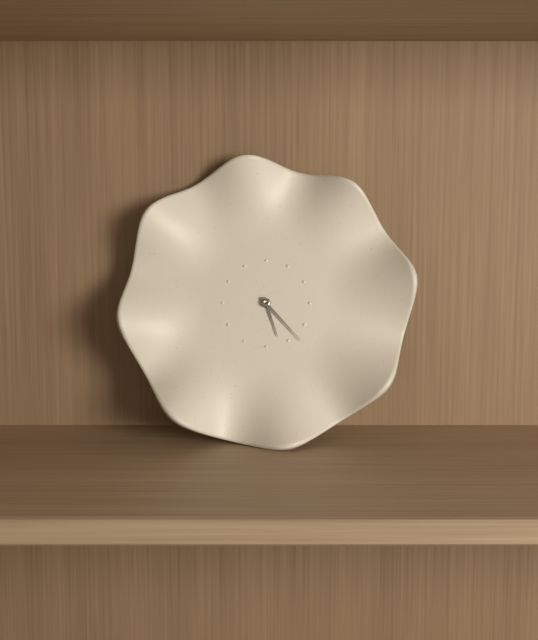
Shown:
h=5 m=23
